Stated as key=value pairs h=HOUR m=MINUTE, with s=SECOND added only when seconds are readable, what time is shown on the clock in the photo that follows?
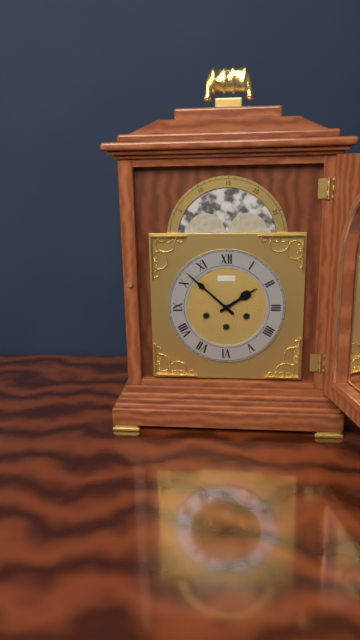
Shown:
h=1 m=52
